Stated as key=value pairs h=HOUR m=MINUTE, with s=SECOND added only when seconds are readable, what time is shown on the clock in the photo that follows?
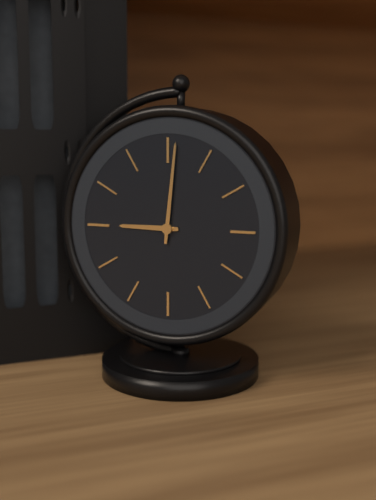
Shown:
h=9 m=1
